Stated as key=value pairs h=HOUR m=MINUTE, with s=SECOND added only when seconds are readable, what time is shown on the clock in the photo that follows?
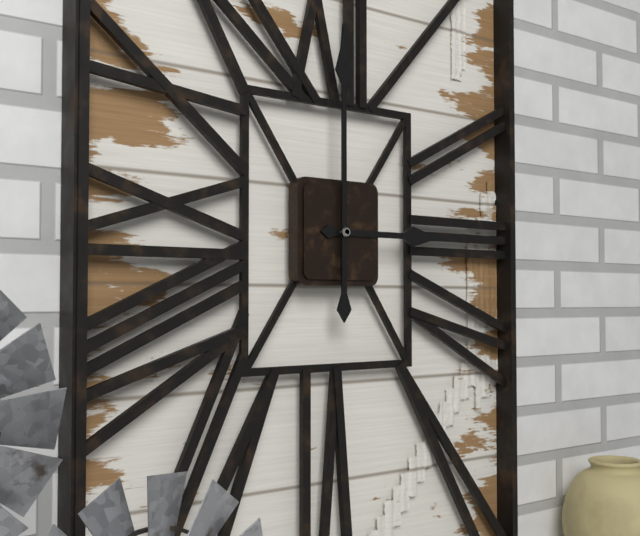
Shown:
h=3 m=0
